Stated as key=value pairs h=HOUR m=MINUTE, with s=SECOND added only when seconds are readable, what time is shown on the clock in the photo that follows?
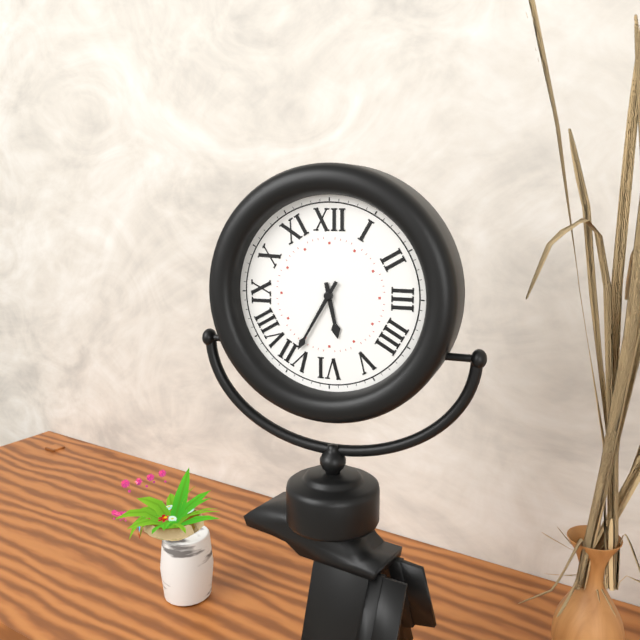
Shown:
h=5 m=35
